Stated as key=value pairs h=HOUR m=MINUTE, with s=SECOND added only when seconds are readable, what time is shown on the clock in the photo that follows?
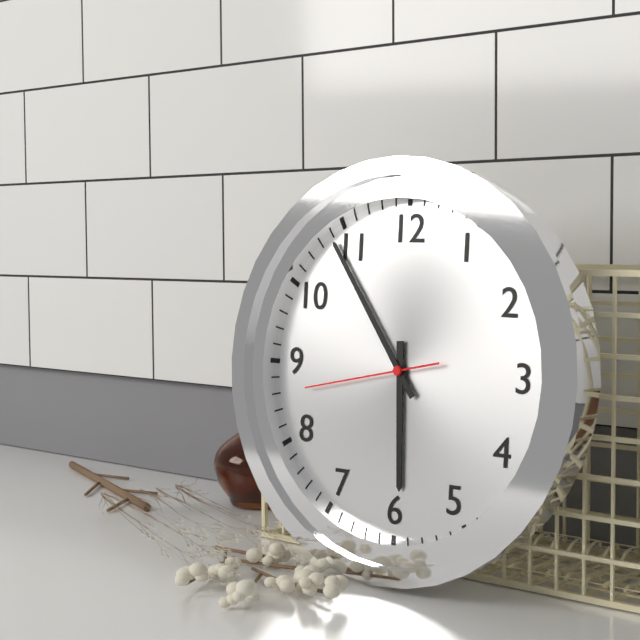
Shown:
h=5 m=54 s=43
